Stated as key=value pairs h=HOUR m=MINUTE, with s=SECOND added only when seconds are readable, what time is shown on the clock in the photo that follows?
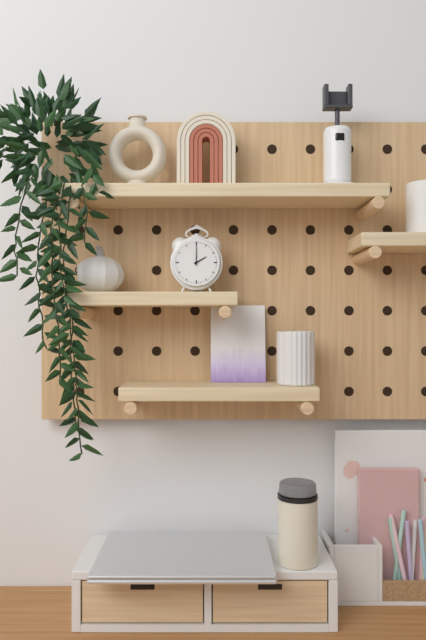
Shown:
h=2 m=0
